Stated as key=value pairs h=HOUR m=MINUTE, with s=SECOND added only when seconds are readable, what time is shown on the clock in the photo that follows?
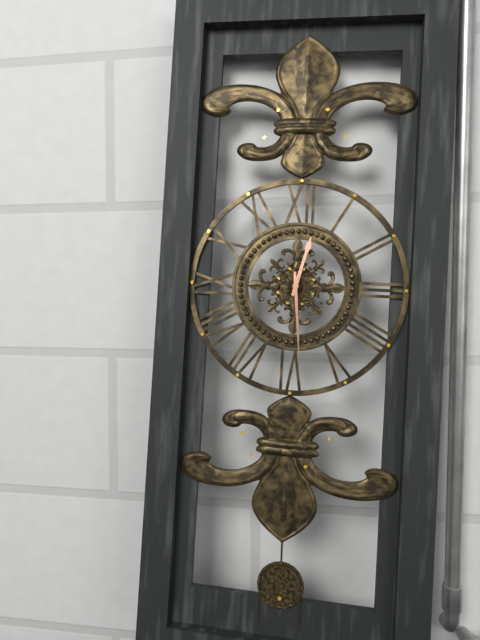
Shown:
h=12 m=29
